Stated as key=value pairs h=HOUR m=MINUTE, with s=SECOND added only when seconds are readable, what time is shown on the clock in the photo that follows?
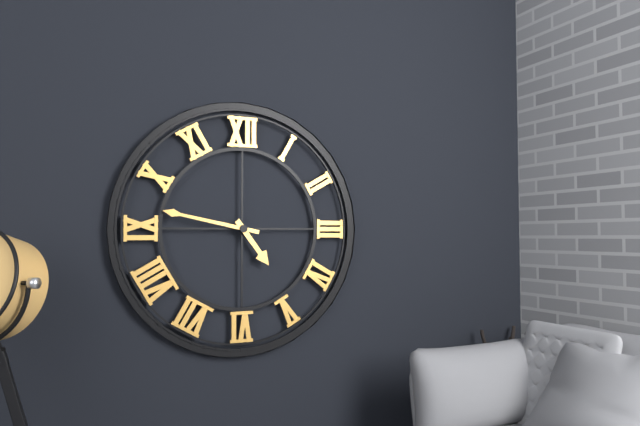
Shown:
h=4 m=47
